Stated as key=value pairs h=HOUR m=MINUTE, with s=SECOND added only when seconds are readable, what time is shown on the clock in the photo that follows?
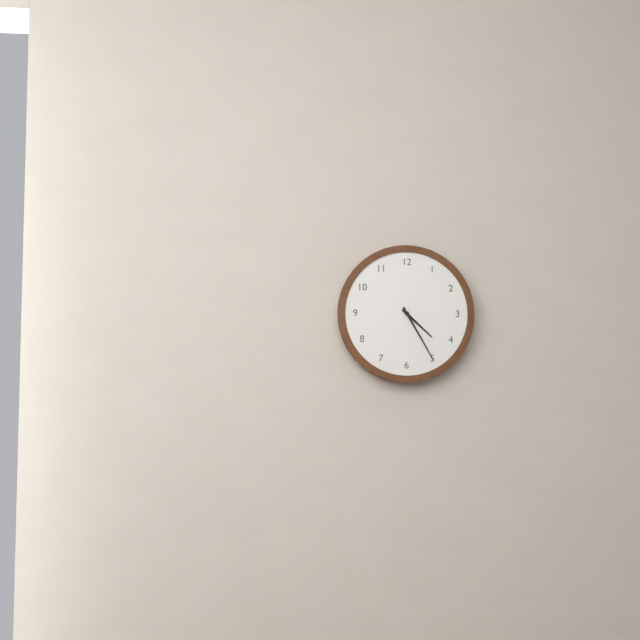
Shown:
h=4 m=25
